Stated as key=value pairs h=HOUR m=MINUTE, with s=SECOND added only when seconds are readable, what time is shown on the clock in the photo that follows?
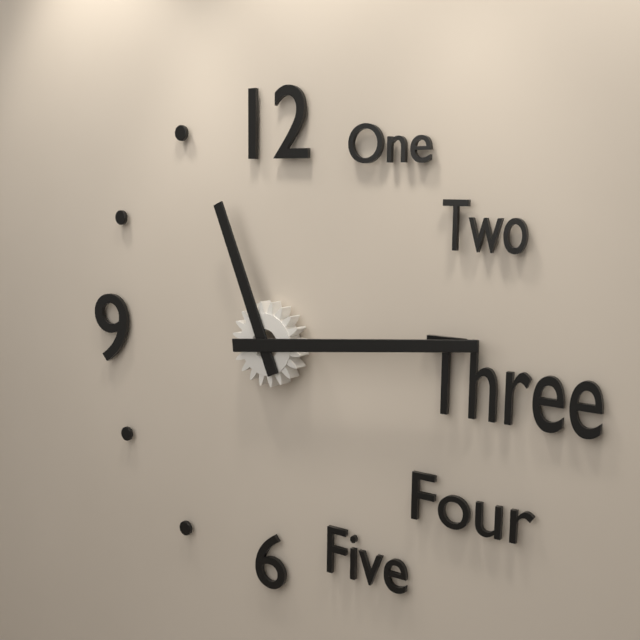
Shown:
h=11 m=14
